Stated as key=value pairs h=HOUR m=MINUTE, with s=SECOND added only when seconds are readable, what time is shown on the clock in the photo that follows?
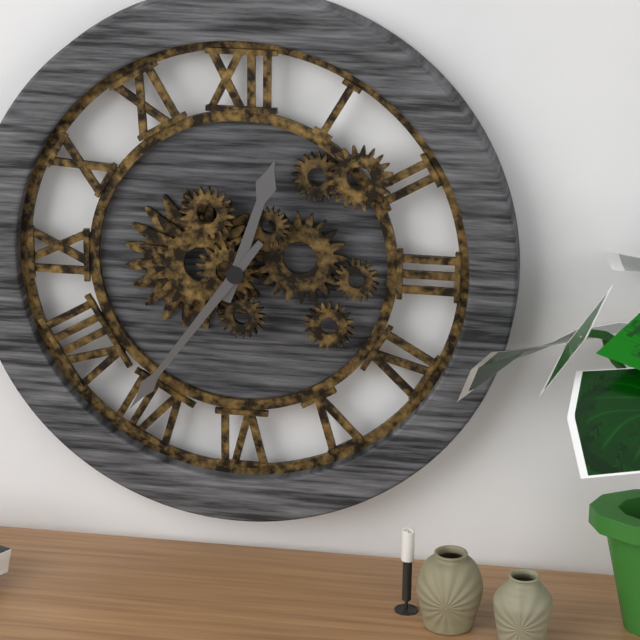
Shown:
h=12 m=36
